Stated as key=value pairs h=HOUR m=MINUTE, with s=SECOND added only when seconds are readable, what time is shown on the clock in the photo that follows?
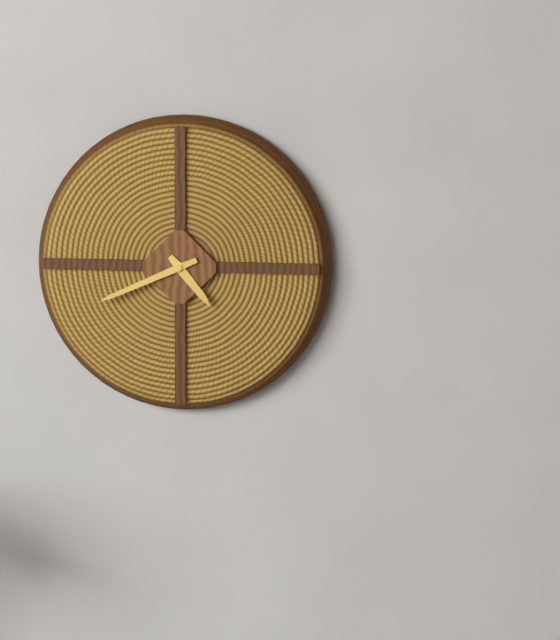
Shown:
h=4 m=41
